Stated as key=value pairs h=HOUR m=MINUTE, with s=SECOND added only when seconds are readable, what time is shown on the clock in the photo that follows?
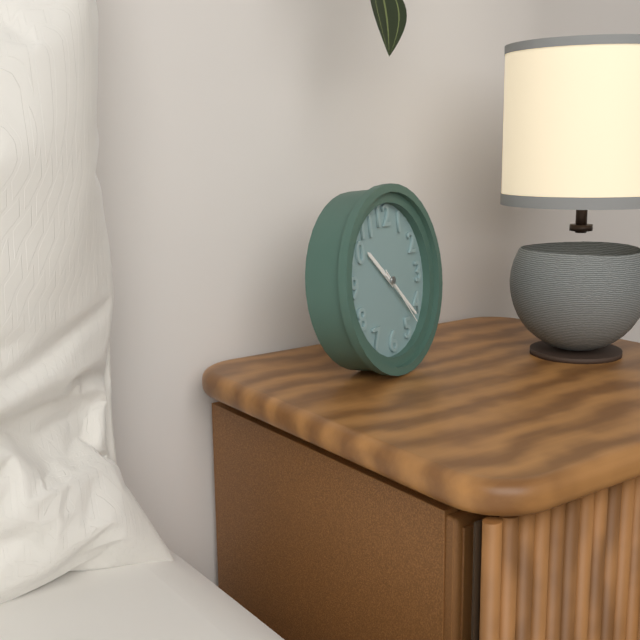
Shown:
h=10 m=22 s=23
